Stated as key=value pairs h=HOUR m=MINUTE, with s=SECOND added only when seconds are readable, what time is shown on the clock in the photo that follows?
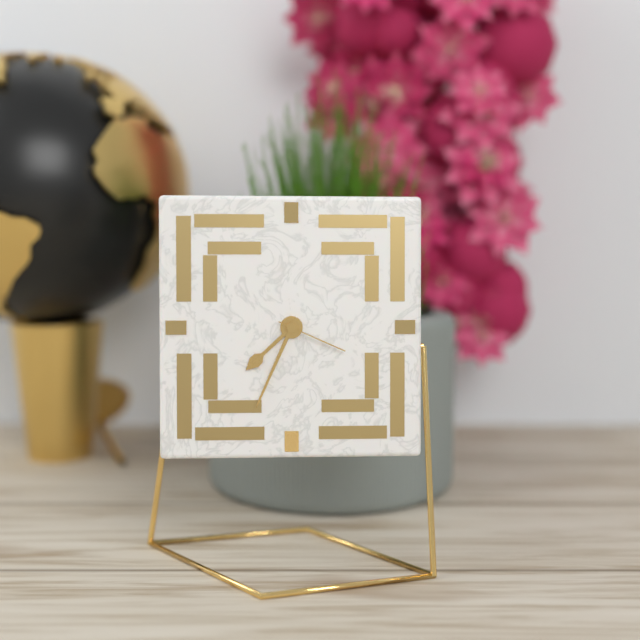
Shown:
h=7 m=34 s=19
